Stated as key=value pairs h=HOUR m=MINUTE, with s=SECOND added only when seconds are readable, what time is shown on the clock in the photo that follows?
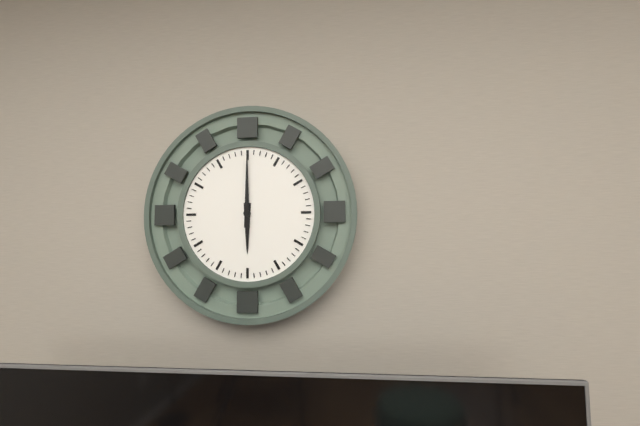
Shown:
h=6 m=0
